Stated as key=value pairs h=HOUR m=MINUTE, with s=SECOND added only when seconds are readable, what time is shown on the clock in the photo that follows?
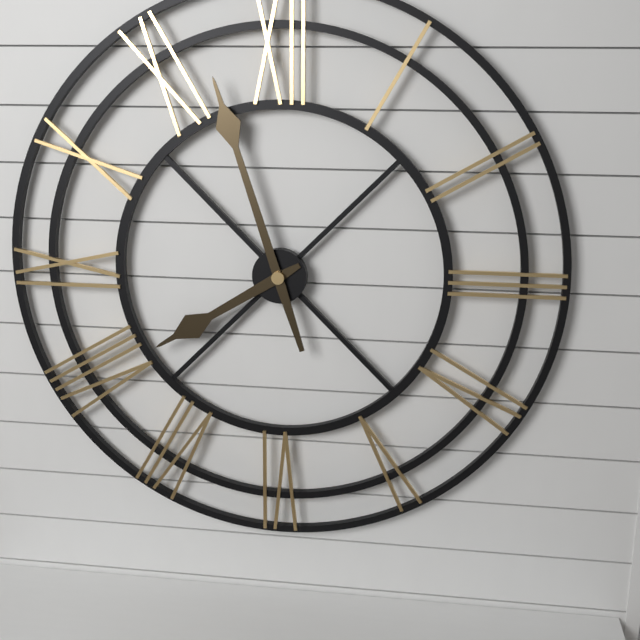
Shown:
h=7 m=57
